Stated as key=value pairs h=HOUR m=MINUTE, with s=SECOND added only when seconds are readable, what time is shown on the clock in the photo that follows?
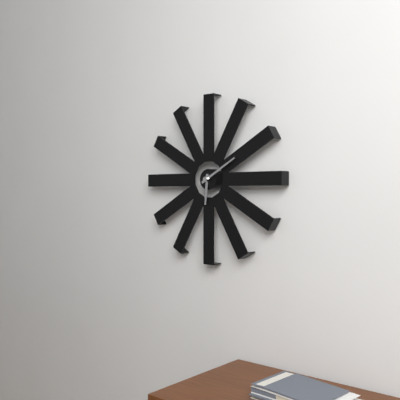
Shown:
h=6 m=10
